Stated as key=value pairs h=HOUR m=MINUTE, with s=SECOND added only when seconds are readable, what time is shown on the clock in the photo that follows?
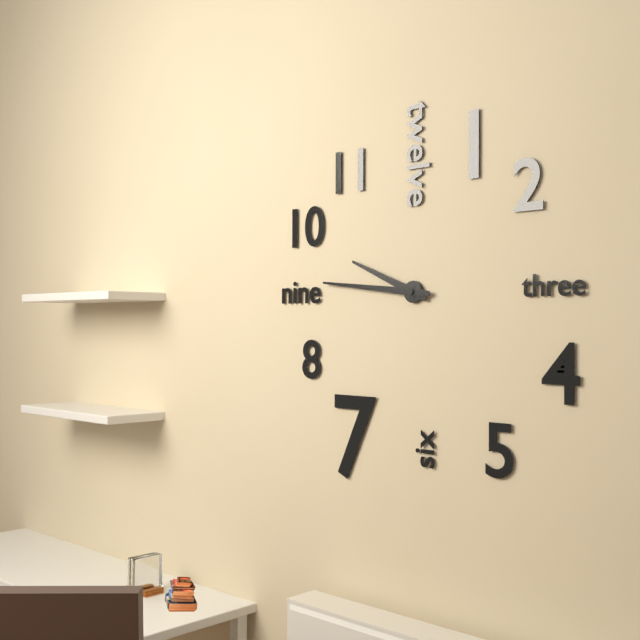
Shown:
h=9 m=46
